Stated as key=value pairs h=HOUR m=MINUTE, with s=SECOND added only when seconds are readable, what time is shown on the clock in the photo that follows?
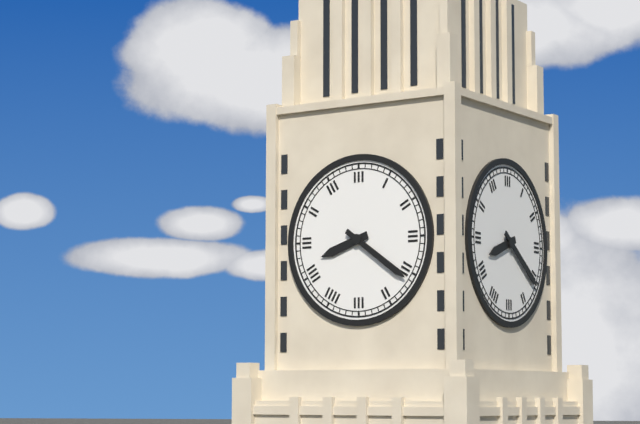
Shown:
h=8 m=21
